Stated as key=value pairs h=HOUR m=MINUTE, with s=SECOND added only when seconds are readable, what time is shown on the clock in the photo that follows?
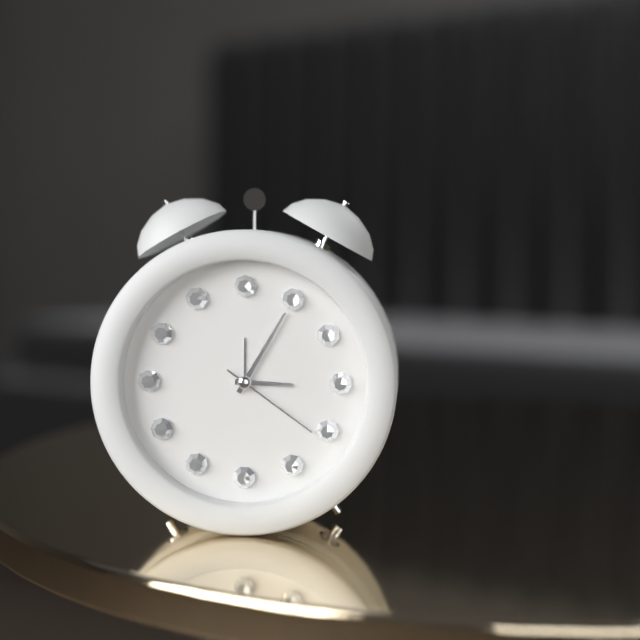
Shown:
h=3 m=5 s=21
